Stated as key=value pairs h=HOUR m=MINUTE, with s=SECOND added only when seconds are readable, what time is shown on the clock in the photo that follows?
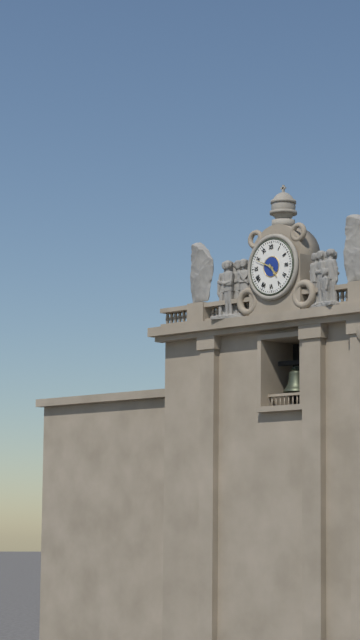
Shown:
h=4 m=49
